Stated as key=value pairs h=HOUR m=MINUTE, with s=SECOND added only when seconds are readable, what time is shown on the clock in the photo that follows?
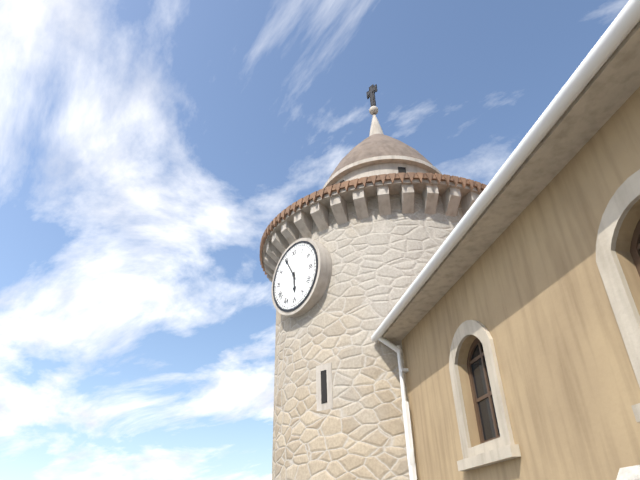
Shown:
h=5 m=55
